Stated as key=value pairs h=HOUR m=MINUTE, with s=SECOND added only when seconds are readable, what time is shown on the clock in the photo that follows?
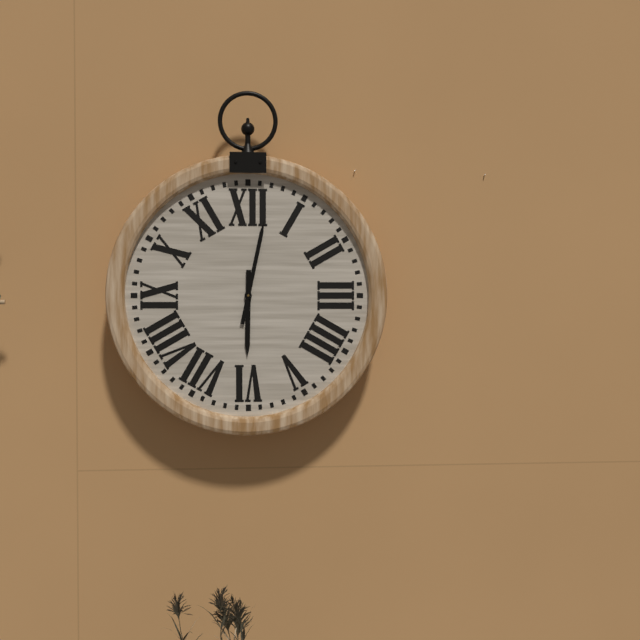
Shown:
h=6 m=2
